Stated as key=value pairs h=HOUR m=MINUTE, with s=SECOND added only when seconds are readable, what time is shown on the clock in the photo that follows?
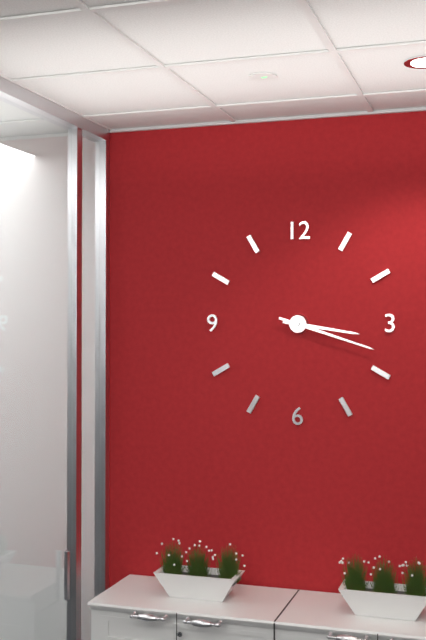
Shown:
h=3 m=18
